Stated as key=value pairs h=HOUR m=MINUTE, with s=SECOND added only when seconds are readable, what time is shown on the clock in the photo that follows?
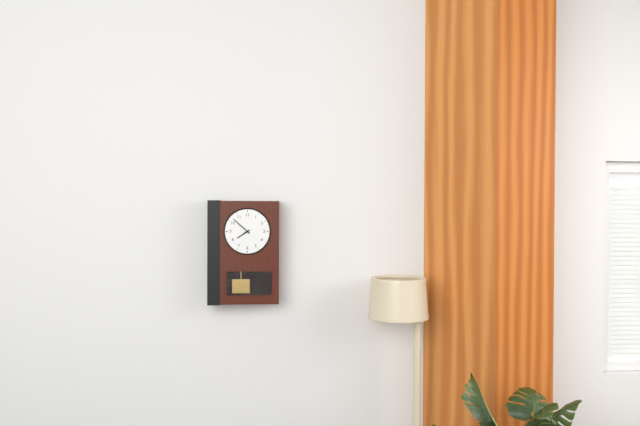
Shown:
h=7 m=52
